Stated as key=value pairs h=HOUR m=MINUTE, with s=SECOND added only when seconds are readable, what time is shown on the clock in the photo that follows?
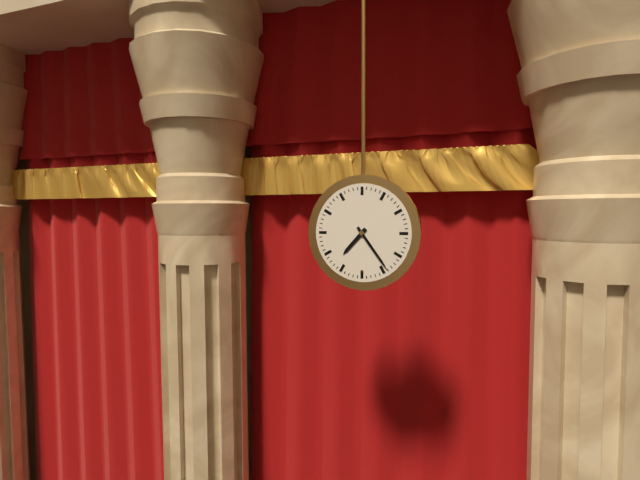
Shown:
h=7 m=24
